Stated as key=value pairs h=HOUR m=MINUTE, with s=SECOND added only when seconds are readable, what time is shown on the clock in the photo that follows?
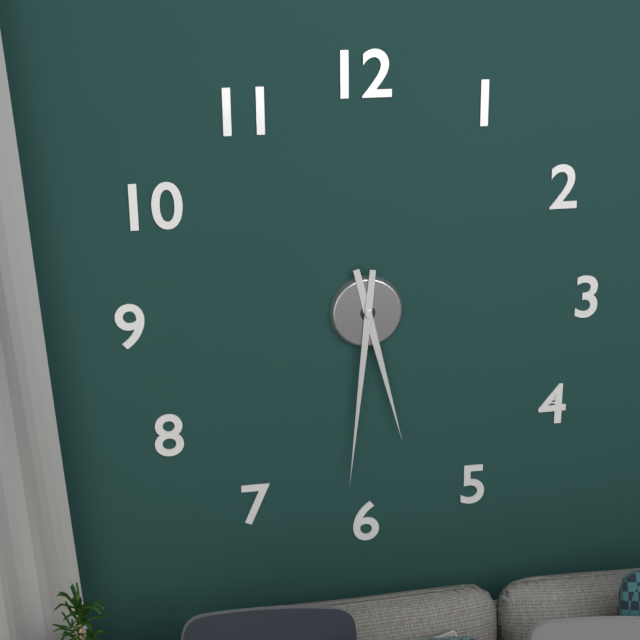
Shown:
h=5 m=31
